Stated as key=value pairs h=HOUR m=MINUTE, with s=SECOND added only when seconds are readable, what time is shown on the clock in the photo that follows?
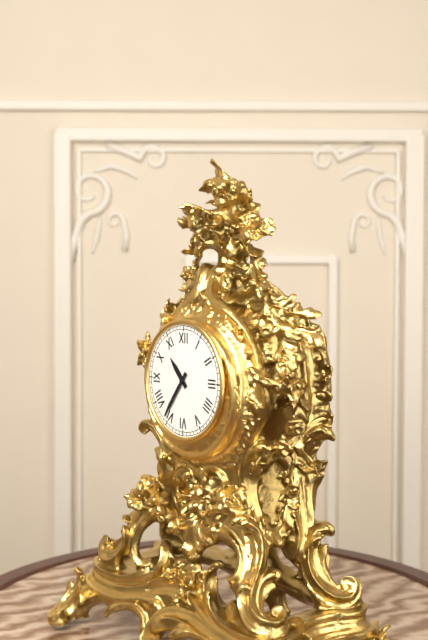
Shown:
h=10 m=36
